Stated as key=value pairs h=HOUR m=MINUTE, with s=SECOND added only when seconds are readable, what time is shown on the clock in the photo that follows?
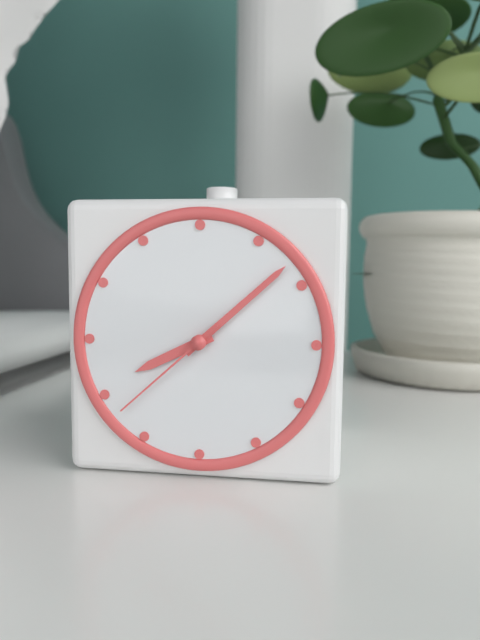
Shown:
h=8 m=8 s=38
